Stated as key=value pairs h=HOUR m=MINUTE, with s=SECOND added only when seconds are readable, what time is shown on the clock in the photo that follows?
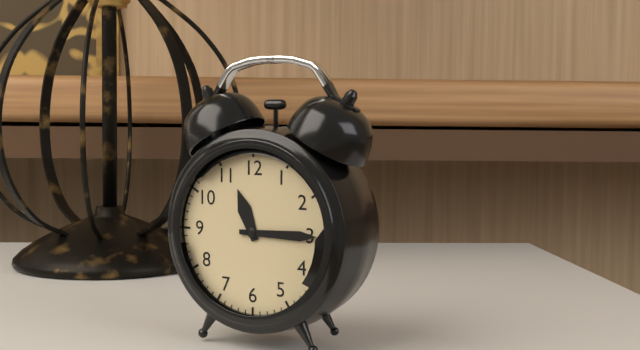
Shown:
h=11 m=15
